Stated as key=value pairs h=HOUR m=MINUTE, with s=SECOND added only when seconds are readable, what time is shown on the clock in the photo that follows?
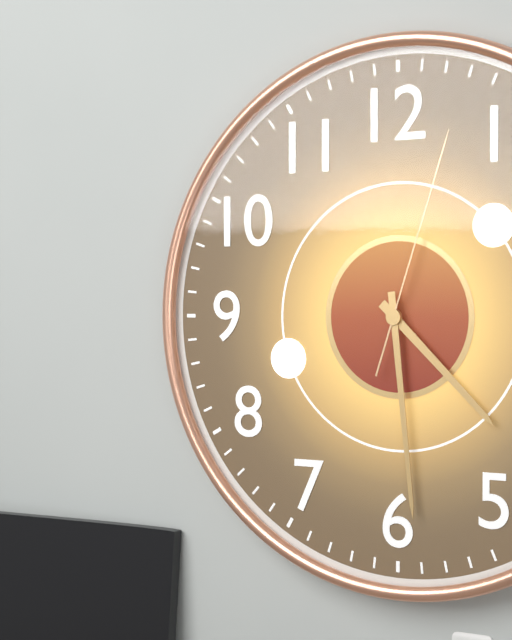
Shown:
h=4 m=29 s=3
